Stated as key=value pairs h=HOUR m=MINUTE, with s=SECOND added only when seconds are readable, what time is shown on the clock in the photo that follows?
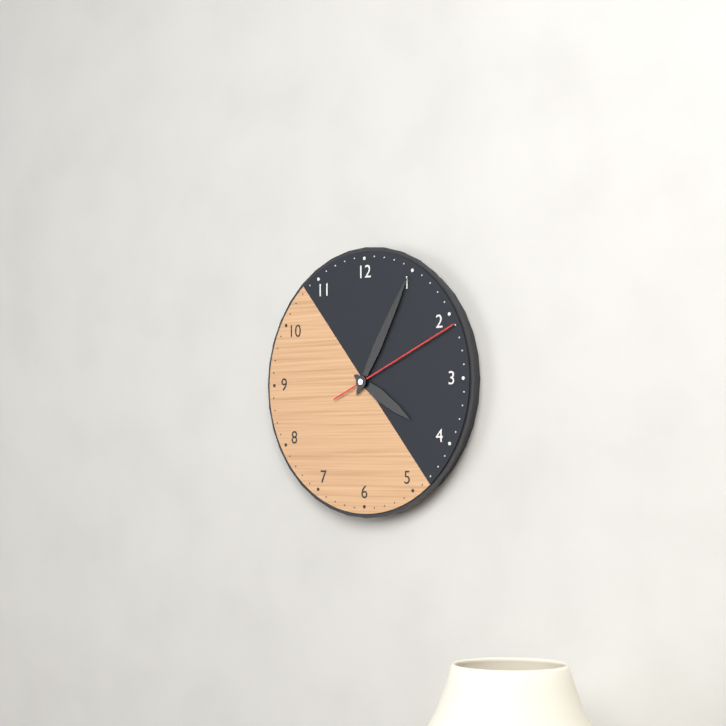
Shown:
h=4 m=5 s=11
